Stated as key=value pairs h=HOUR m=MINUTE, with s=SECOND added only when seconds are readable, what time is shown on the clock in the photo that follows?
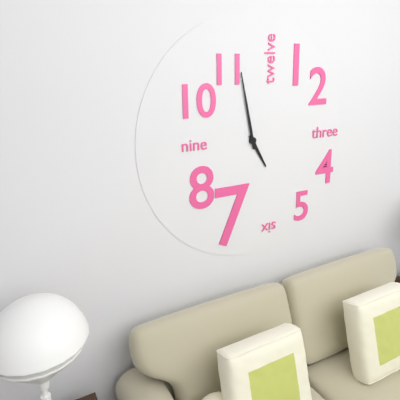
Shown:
h=4 m=58
